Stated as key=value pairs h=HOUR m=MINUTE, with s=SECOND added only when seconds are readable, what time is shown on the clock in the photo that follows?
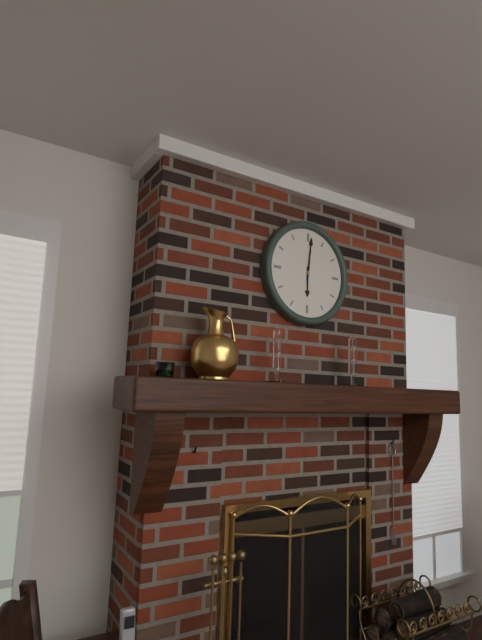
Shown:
h=6 m=1
